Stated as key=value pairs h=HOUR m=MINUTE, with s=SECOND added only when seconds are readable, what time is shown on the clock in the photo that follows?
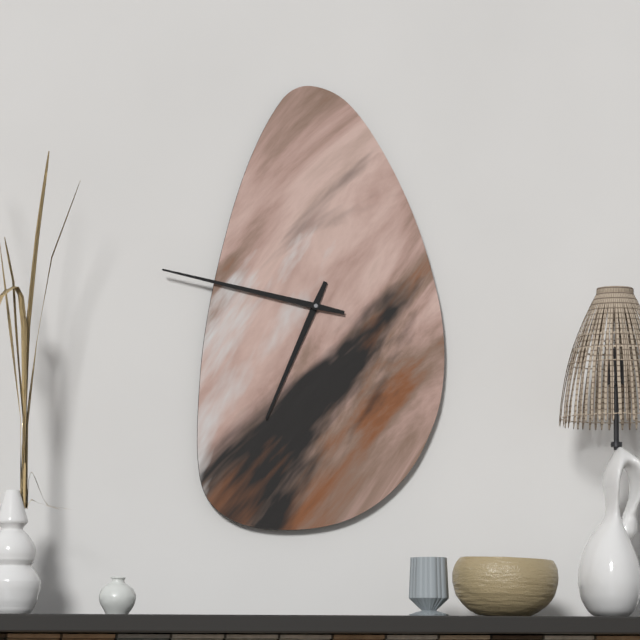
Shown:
h=6 m=47
